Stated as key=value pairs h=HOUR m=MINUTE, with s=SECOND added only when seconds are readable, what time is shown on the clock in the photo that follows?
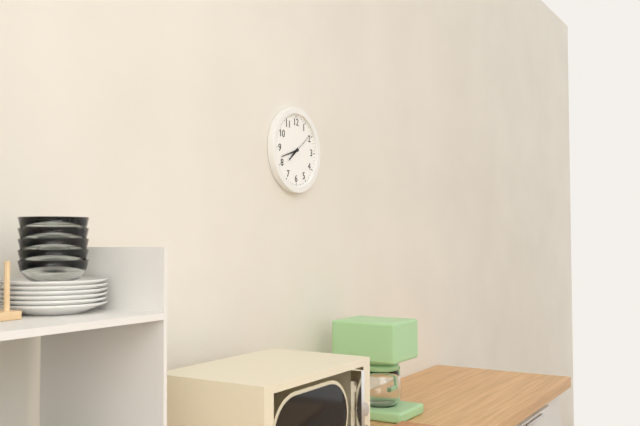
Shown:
h=7 m=42
